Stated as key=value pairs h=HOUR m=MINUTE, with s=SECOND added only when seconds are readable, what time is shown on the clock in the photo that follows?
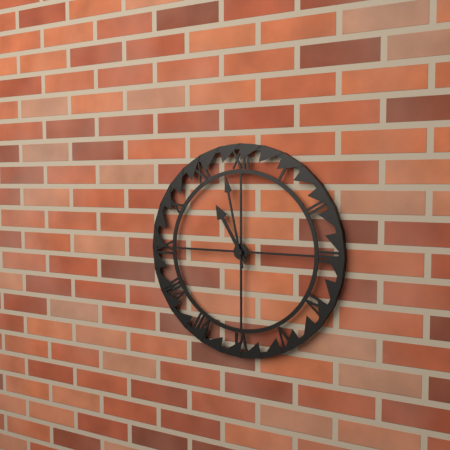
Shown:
h=10 m=58
